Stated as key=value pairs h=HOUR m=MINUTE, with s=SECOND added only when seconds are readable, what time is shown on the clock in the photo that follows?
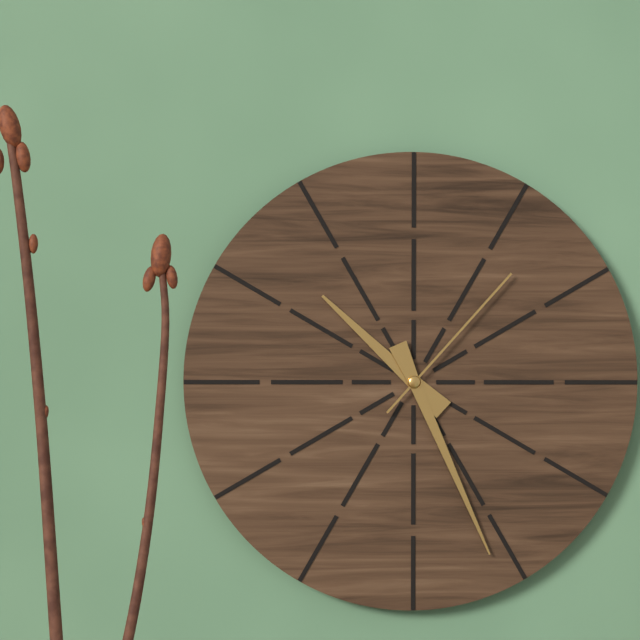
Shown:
h=10 m=26 s=7
